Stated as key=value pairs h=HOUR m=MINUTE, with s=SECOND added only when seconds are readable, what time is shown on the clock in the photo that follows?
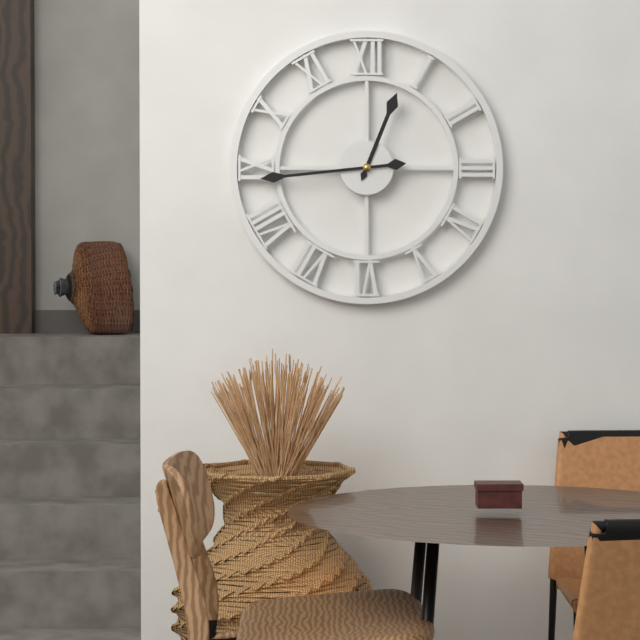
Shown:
h=12 m=44
